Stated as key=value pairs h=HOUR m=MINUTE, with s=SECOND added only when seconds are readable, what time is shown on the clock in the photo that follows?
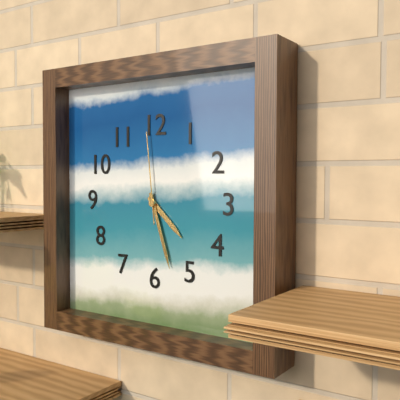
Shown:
h=4 m=27 s=59
